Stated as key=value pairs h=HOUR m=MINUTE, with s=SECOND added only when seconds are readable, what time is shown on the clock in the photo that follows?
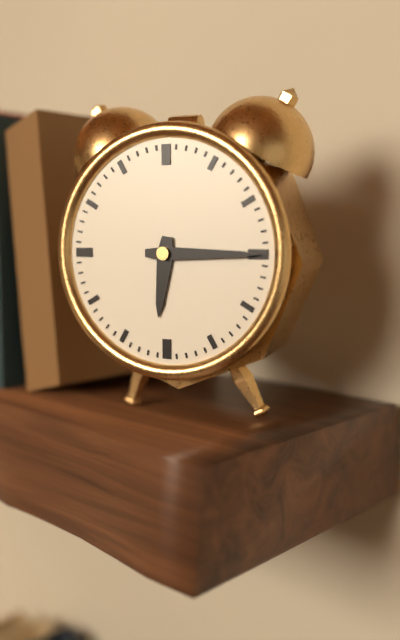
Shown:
h=6 m=15
